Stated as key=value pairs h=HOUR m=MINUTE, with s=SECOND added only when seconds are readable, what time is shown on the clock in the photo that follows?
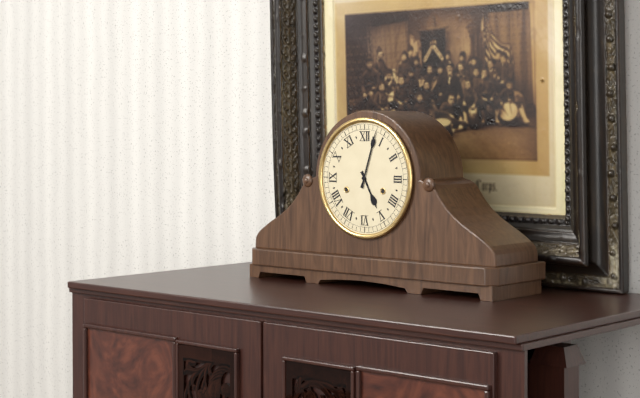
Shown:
h=5 m=3
